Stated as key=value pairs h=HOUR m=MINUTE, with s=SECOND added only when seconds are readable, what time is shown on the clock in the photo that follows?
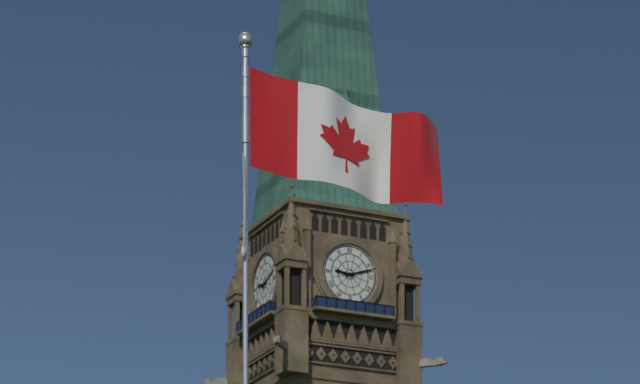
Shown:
h=9 m=12
